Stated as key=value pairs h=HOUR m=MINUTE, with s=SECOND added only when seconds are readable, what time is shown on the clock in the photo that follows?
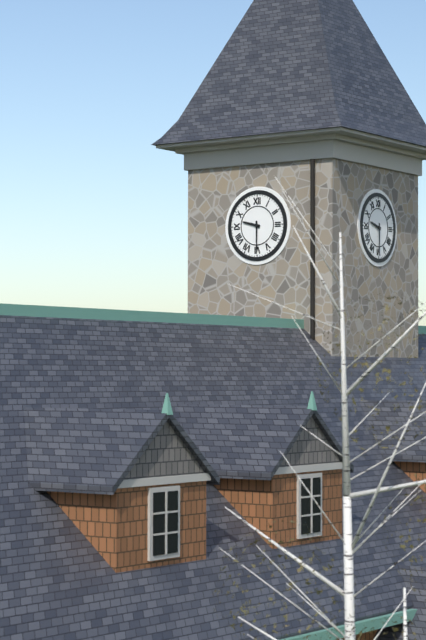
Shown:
h=9 m=30
